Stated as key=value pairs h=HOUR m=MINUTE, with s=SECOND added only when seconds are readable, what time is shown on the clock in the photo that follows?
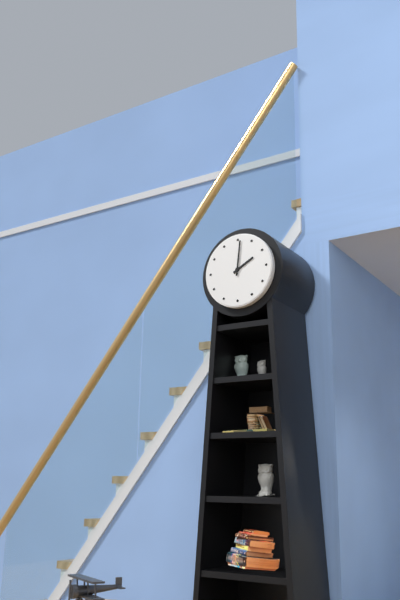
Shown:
h=2 m=1
